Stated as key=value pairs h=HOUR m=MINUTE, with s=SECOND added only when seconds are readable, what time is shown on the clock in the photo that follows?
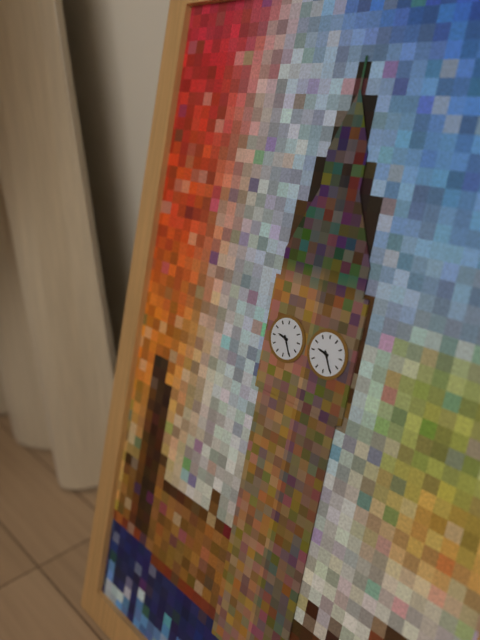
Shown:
h=9 m=25
